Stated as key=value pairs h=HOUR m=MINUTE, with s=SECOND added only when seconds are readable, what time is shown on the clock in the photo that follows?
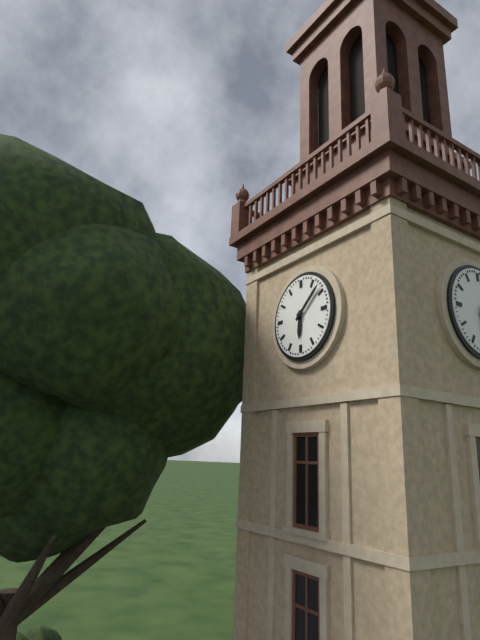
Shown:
h=6 m=8
